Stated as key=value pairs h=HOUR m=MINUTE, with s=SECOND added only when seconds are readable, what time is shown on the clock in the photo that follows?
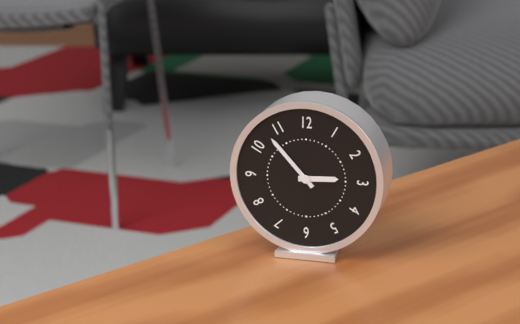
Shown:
h=2 m=53
